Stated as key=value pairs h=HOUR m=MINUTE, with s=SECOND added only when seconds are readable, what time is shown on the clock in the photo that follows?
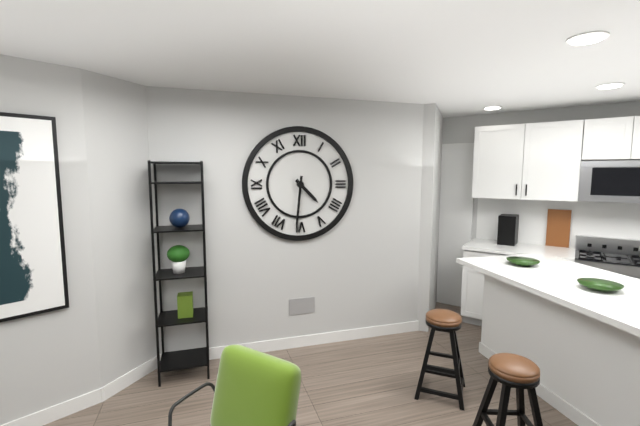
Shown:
h=4 m=31
